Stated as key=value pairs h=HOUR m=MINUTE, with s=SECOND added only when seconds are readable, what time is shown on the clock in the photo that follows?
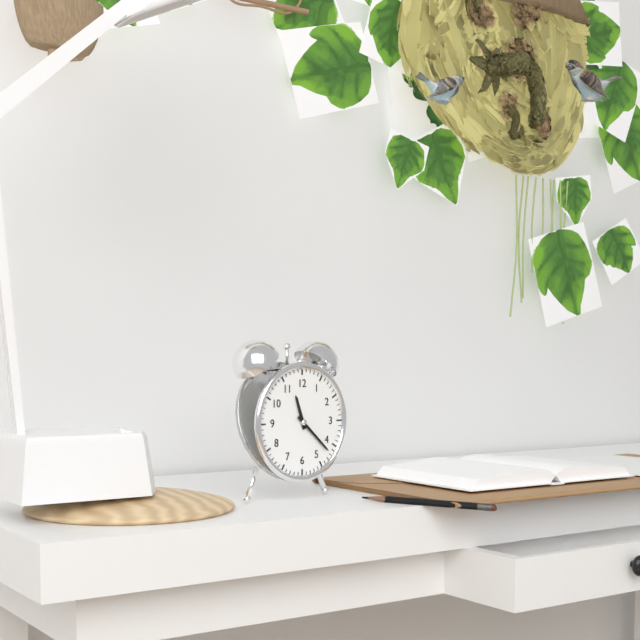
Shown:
h=11 m=22
